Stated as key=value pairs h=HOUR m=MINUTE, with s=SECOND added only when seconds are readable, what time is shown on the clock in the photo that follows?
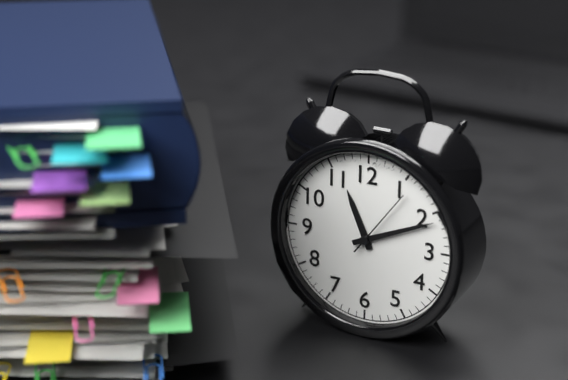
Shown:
h=11 m=11 s=6
